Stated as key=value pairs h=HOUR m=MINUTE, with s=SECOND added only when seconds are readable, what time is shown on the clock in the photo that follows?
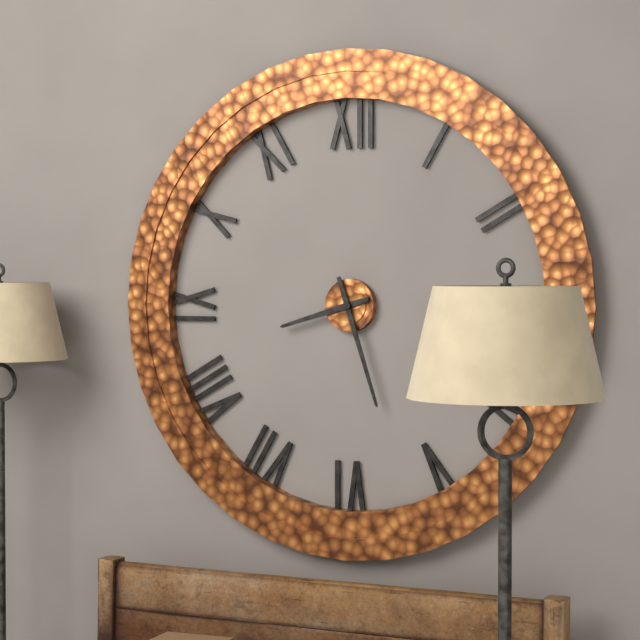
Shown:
h=8 m=27
